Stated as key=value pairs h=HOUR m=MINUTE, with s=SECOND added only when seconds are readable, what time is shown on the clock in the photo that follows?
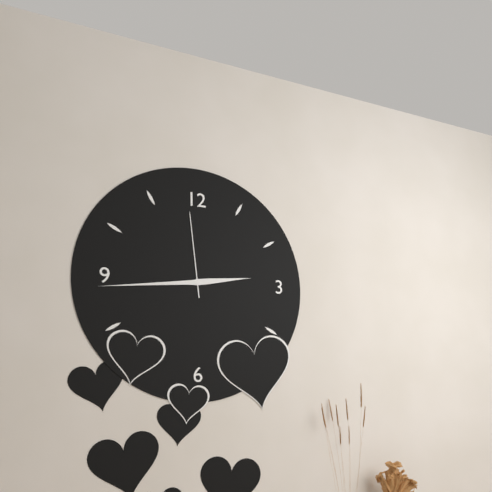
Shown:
h=2 m=44 s=59
